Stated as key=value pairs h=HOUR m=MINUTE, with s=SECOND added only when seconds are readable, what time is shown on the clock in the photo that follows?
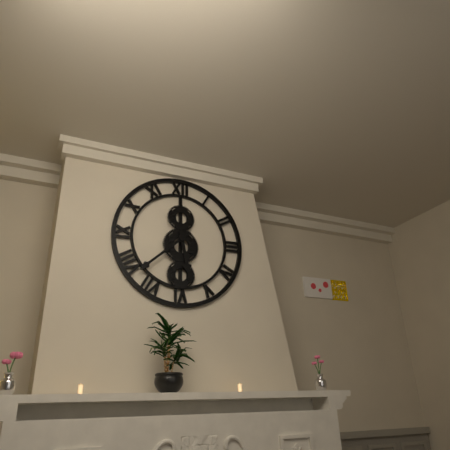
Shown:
h=5 m=38
